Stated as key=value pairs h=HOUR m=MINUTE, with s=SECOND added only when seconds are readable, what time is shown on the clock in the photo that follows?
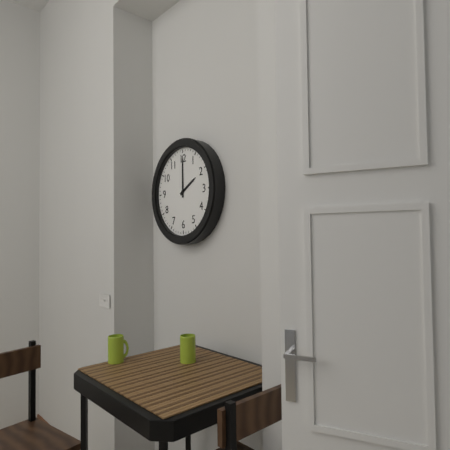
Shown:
h=2 m=0
